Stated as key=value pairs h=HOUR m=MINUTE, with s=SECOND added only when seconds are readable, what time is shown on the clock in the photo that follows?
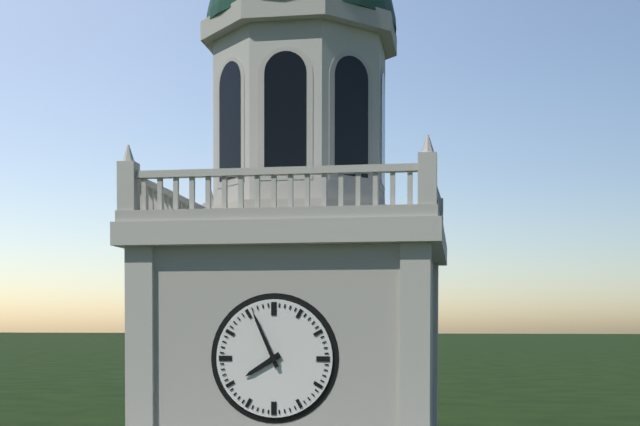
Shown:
h=7 m=56
